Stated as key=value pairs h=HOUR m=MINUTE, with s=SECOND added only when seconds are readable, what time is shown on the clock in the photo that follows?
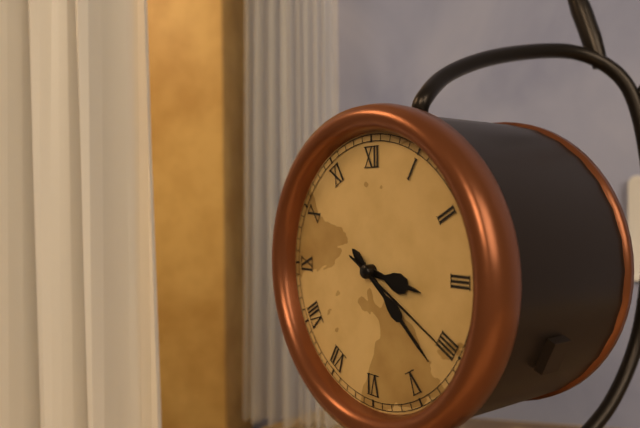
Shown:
h=3 m=22 s=20
